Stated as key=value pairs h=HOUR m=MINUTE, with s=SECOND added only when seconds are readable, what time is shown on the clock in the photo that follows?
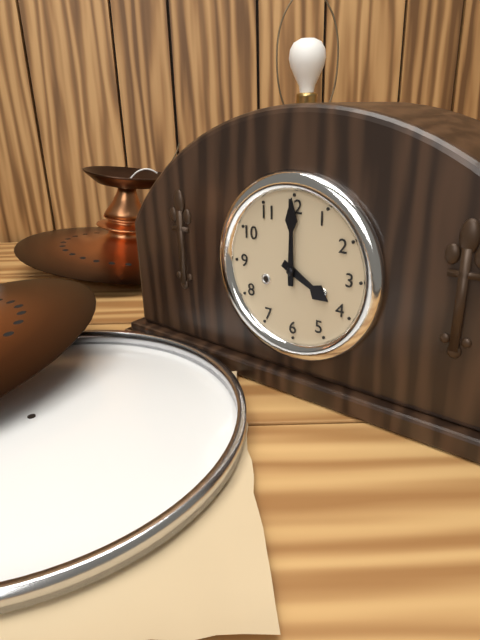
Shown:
h=4 m=0
